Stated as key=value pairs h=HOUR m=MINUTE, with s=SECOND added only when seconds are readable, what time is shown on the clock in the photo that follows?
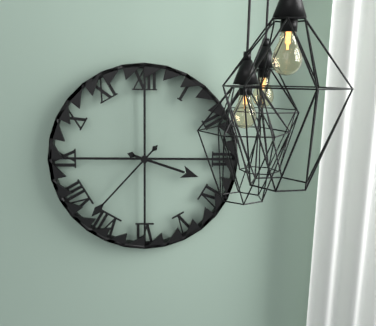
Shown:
h=3 m=37
